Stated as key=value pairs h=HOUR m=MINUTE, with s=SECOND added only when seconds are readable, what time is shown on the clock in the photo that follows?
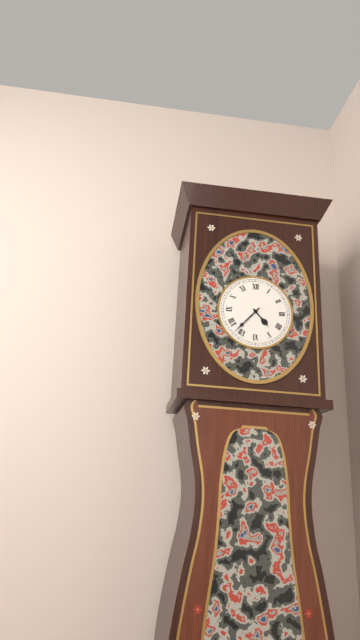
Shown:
h=4 m=37
